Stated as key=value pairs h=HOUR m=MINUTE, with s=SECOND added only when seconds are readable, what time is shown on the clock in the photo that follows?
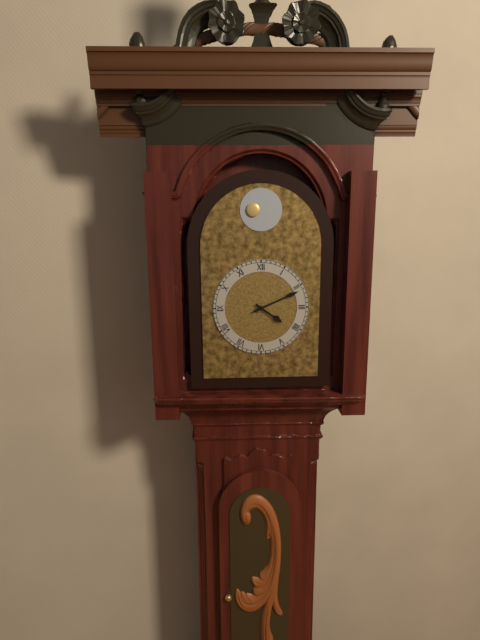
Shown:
h=4 m=11
